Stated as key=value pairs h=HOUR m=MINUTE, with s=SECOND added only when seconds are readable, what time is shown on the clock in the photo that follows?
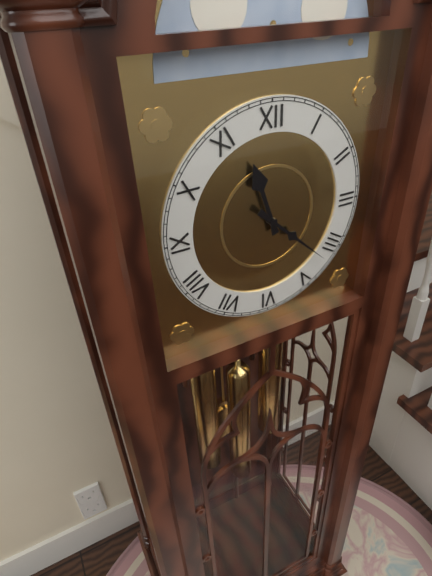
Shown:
h=11 m=22
